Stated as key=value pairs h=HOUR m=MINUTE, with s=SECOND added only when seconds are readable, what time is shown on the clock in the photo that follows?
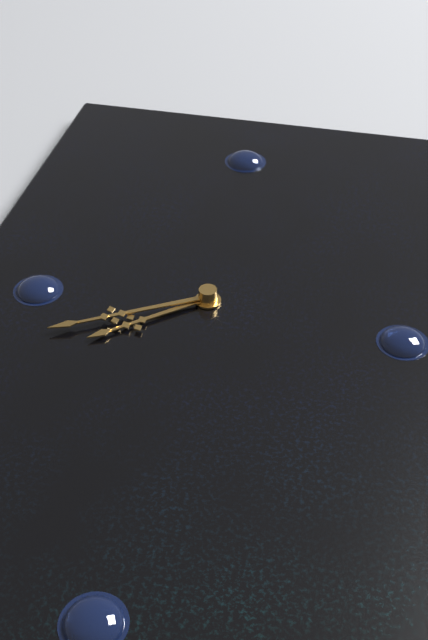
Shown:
h=7 m=40
